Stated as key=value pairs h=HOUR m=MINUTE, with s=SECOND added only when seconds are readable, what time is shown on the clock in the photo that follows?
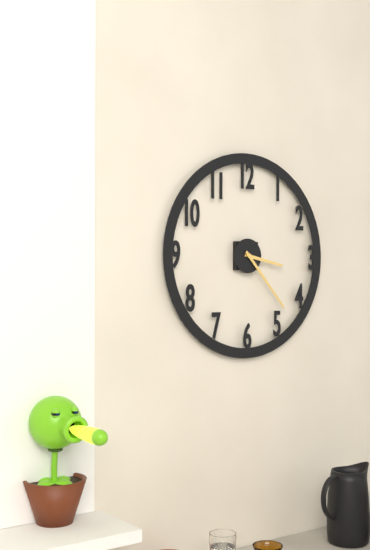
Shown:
h=3 m=23
